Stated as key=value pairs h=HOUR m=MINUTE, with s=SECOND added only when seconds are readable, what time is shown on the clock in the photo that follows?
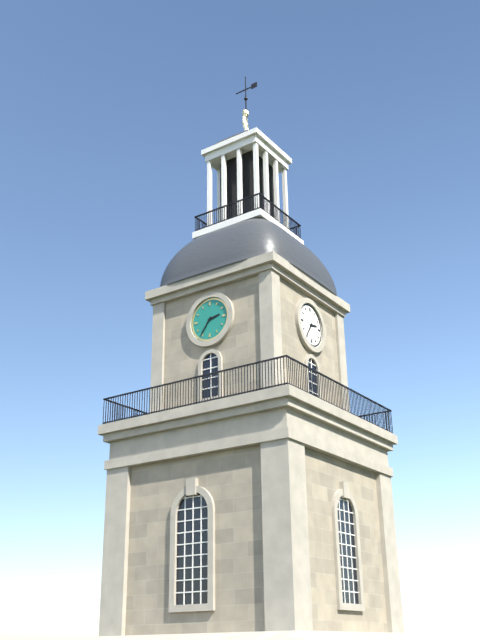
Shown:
h=2 m=36
